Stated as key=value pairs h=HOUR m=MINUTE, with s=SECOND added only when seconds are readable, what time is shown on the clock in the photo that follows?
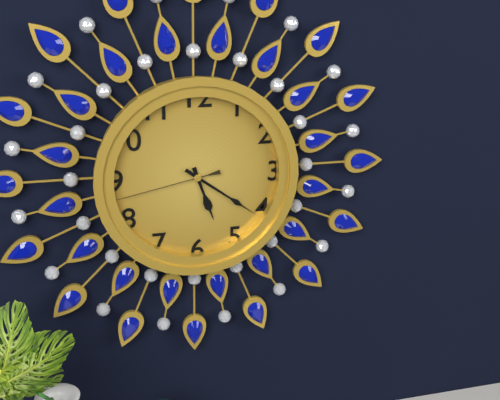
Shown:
h=5 m=21 s=43
